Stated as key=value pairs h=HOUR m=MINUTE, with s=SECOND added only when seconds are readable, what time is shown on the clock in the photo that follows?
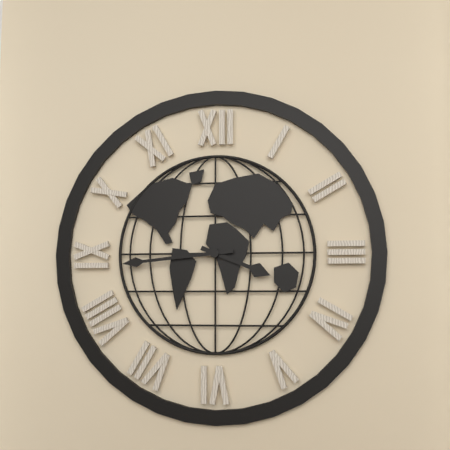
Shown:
h=3 m=44
